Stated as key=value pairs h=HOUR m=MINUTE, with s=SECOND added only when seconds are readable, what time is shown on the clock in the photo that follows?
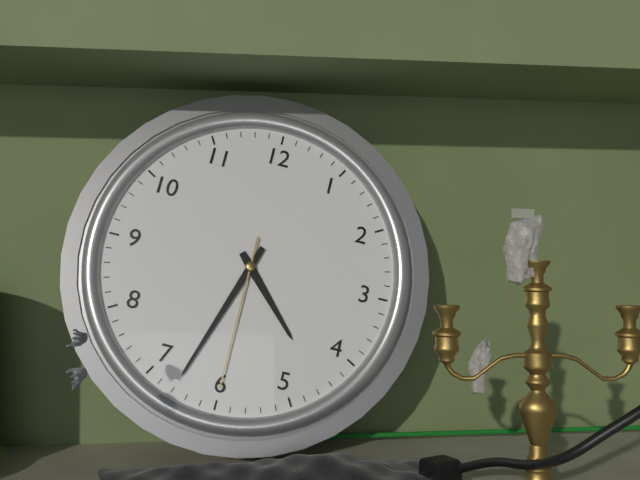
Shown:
h=4 m=33 s=30
